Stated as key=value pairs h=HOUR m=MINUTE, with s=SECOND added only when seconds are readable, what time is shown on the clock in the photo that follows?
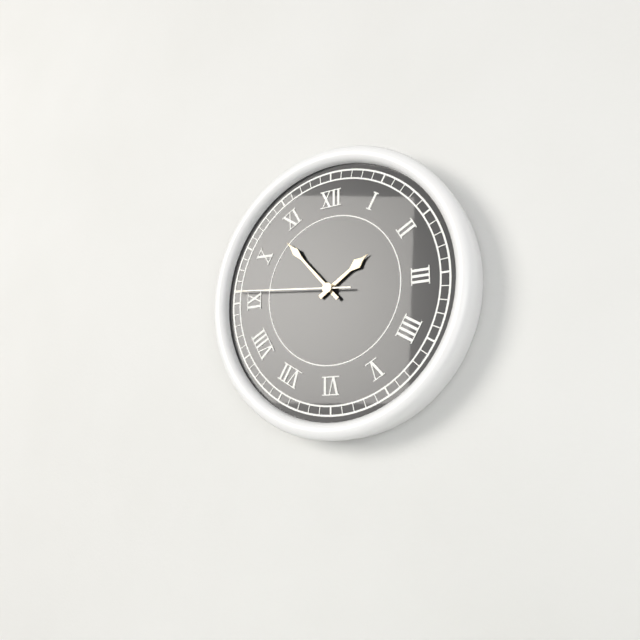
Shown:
h=1 m=53 s=46
